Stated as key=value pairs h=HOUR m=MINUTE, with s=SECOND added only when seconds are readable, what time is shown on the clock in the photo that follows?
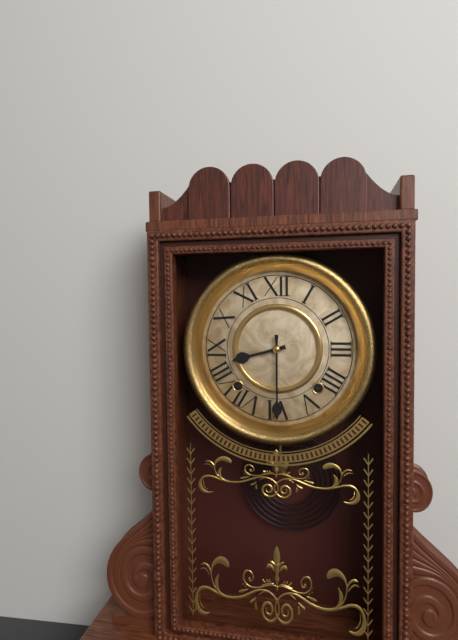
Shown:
h=8 m=30
